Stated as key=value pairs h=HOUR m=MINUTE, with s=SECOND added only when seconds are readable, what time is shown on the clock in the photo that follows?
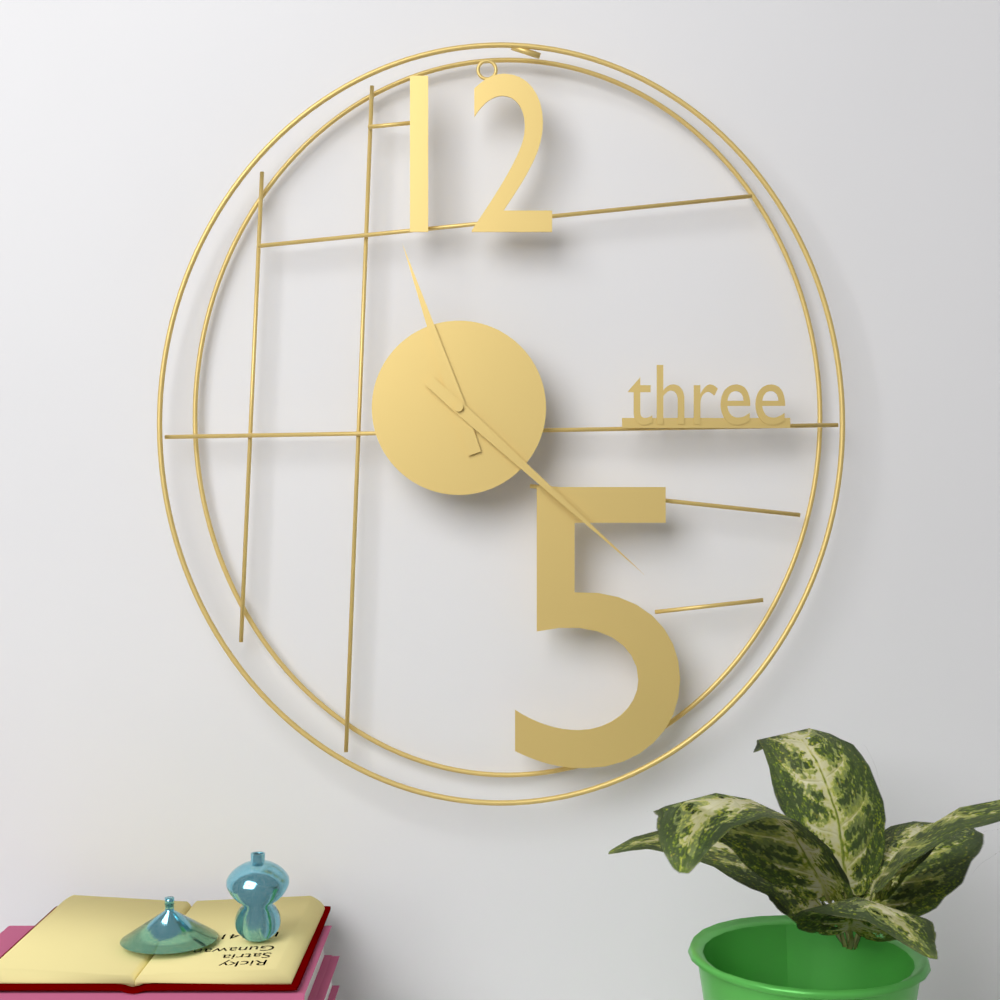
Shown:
h=11 m=22
